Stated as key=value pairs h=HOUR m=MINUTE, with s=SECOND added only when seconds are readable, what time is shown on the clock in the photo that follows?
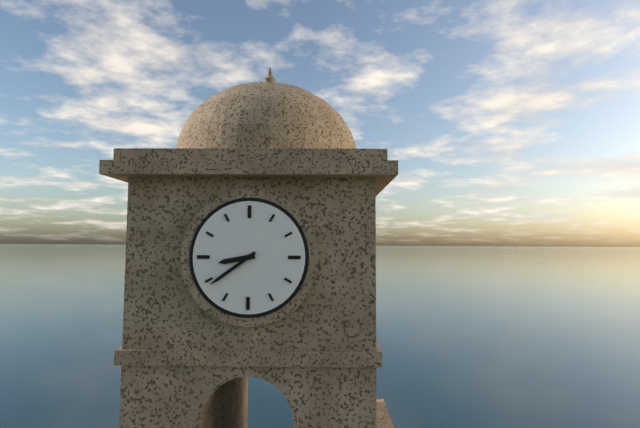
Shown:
h=8 m=39
